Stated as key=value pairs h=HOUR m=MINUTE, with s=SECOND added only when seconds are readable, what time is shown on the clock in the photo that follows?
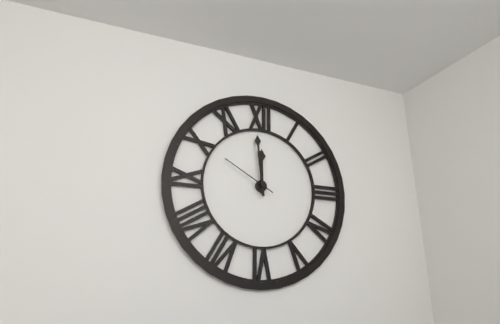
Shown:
h=11 m=59 s=50
